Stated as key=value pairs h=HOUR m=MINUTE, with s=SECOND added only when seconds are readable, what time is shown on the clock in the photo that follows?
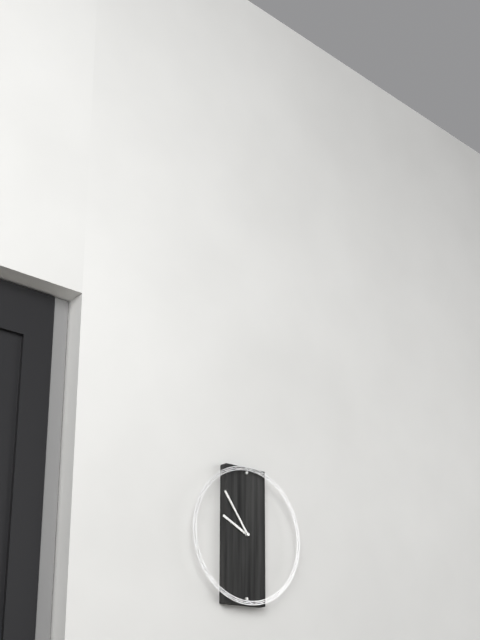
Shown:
h=9 m=54
